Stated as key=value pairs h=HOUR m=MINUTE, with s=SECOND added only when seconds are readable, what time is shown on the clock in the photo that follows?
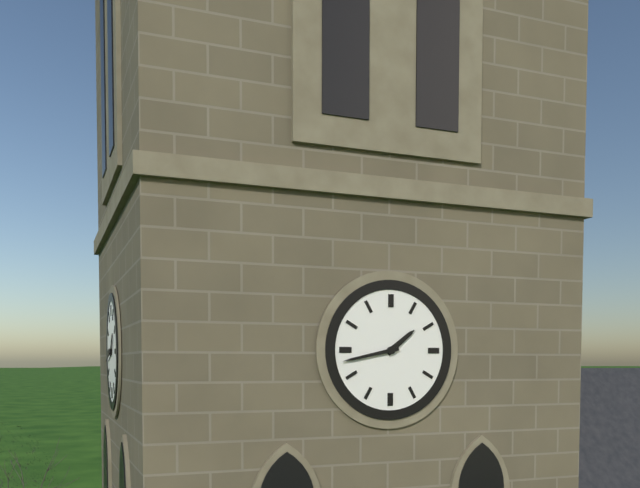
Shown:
h=1 m=43
